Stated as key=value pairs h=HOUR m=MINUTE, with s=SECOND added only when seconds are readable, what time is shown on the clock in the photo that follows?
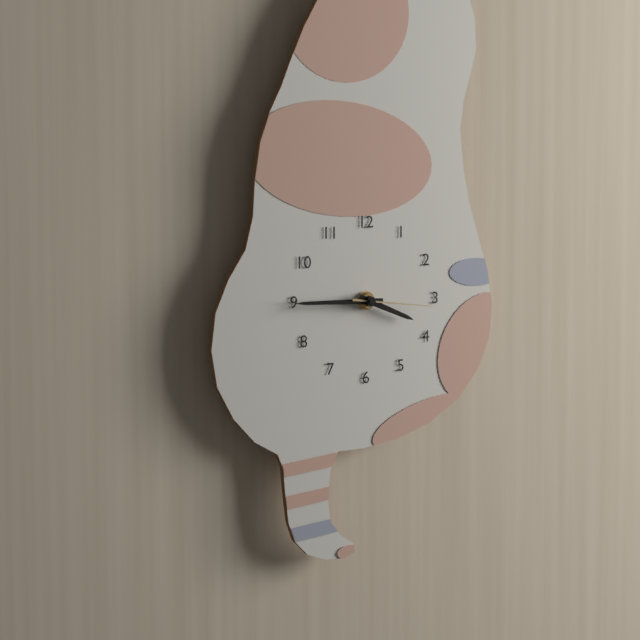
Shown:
h=3 m=45 s=16
